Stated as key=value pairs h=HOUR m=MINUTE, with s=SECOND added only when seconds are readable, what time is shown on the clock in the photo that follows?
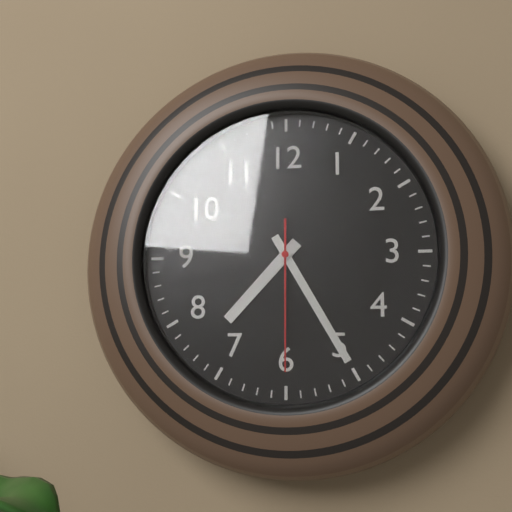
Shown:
h=7 m=25 s=30
